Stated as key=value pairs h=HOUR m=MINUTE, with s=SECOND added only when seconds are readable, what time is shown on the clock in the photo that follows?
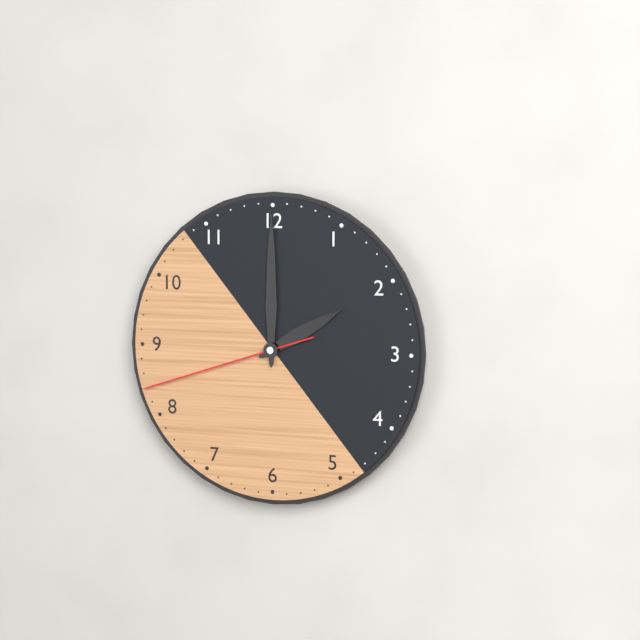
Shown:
h=2 m=0 s=42
